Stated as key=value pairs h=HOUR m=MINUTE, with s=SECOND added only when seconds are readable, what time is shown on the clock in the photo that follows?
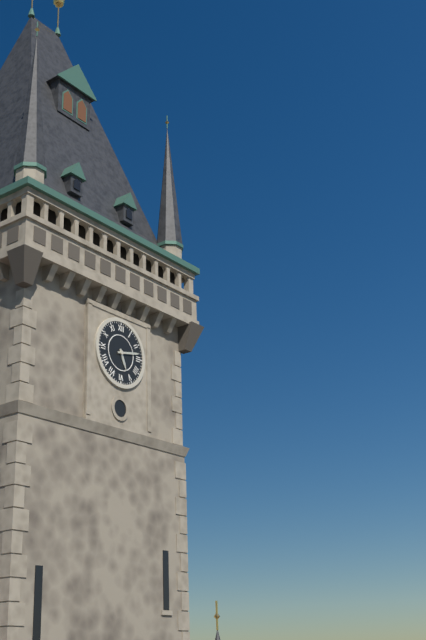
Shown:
h=5 m=13
